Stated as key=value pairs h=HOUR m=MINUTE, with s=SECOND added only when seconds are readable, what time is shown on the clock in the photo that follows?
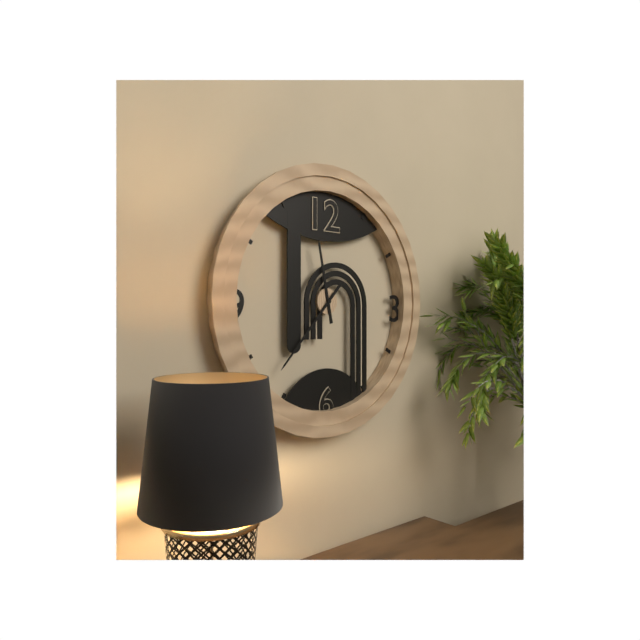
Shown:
h=11 m=37
